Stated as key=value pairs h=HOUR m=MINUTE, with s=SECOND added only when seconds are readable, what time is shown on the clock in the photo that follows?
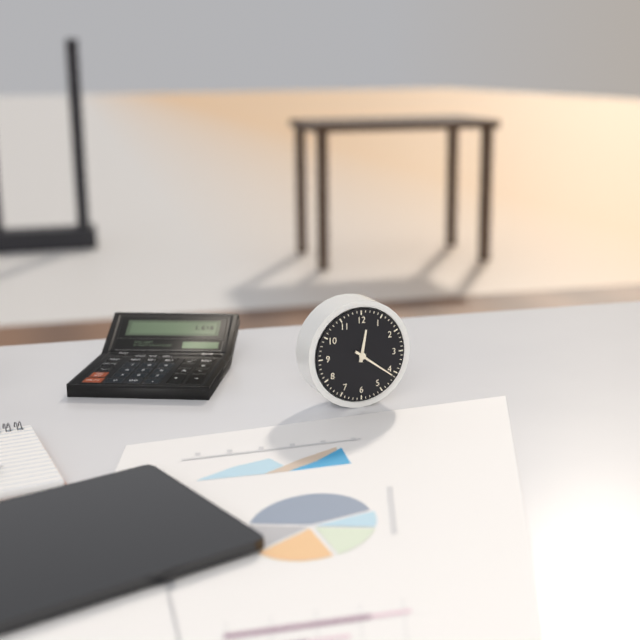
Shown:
h=12 m=21
